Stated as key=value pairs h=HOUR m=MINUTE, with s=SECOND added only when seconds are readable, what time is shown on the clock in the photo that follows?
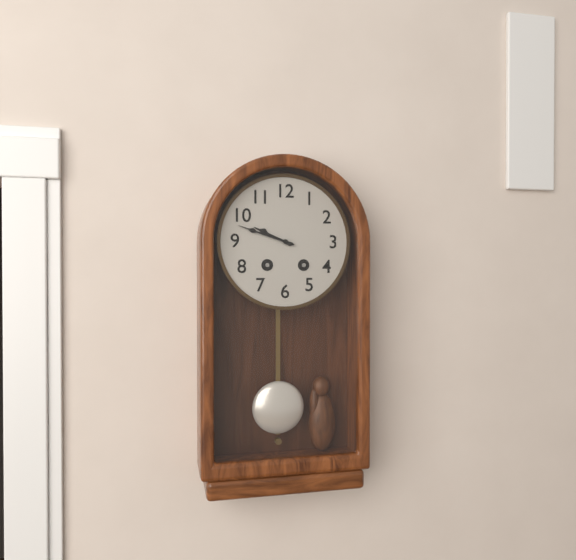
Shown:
h=9 m=48
